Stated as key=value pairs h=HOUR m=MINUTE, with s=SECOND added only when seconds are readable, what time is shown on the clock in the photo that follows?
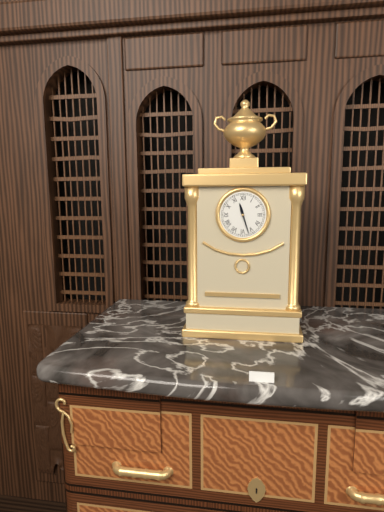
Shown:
h=11 m=27
